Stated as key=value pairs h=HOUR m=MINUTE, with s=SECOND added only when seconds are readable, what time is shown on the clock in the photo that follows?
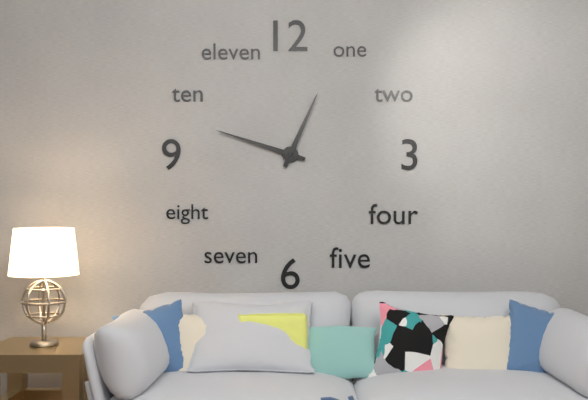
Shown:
h=12 m=48
